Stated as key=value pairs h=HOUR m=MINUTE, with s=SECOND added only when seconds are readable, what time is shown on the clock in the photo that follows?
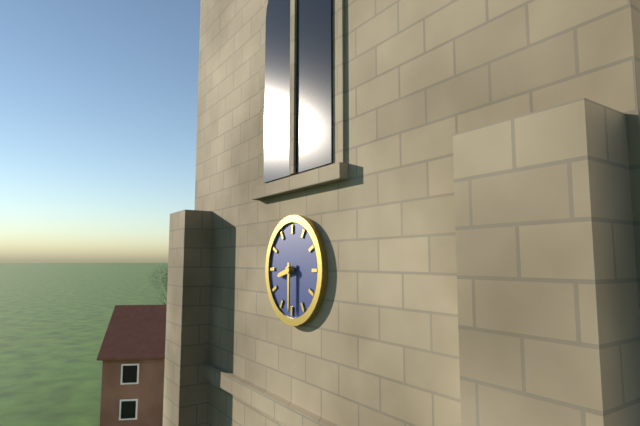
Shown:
h=8 m=30
